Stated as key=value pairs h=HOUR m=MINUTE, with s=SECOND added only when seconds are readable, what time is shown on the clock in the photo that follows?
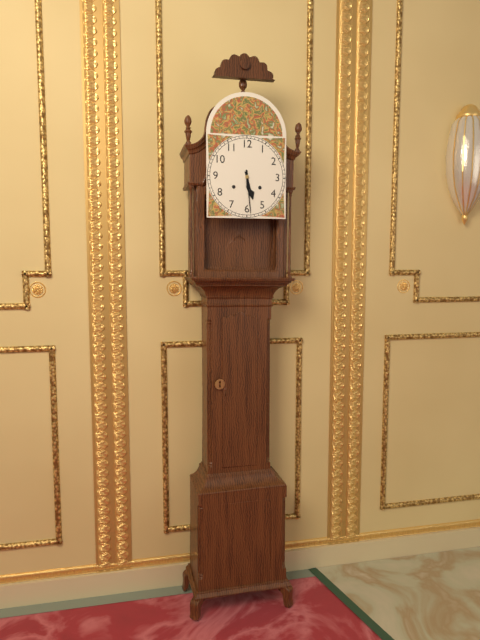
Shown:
h=5 m=29
